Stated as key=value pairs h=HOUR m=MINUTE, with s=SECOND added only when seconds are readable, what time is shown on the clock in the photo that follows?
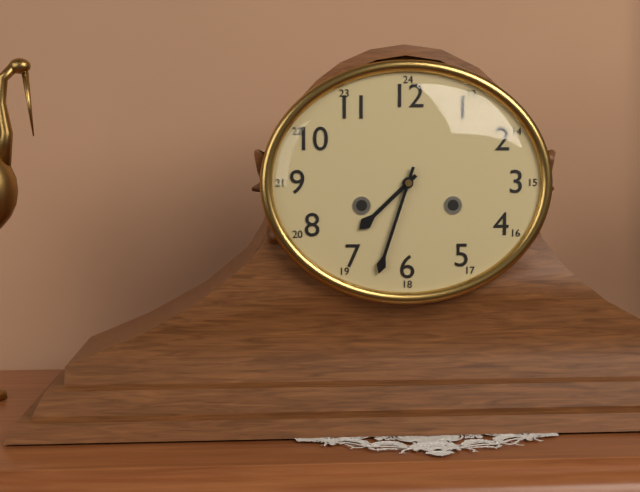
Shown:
h=7 m=33
